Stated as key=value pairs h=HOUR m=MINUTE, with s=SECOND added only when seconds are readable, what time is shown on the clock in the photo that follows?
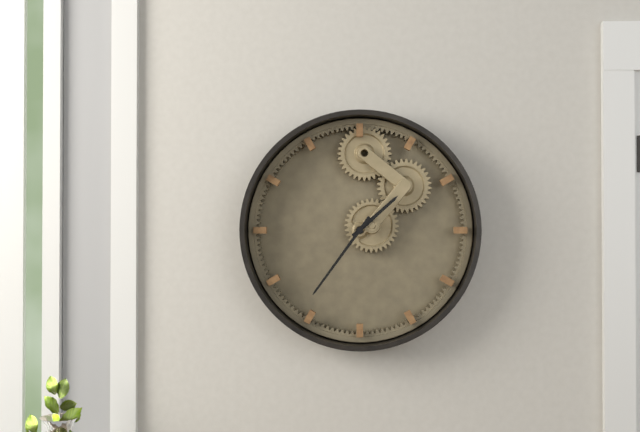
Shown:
h=1 m=36
